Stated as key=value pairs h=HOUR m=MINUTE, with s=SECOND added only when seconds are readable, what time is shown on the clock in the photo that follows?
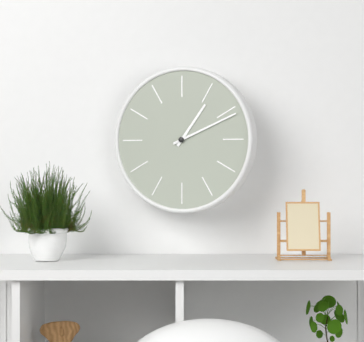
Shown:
h=1 m=11
